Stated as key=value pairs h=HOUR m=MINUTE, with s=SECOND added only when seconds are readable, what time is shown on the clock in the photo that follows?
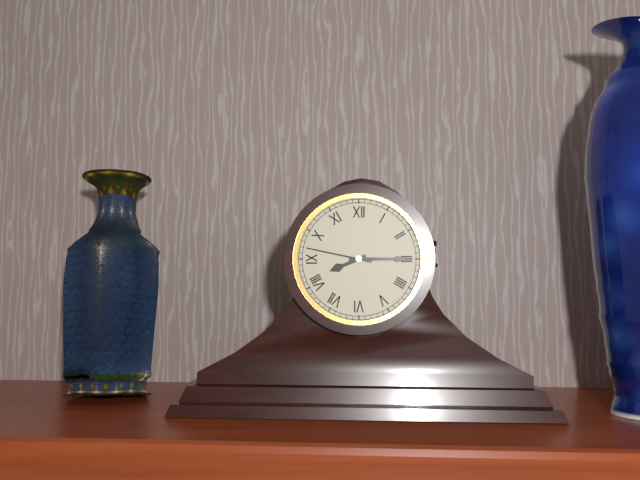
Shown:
h=8 m=15 s=47
